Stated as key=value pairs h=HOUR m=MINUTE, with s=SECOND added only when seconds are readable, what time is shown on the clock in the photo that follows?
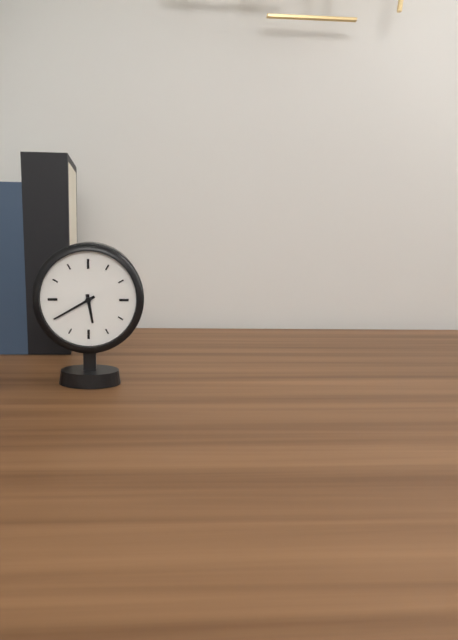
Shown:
h=5 m=40
